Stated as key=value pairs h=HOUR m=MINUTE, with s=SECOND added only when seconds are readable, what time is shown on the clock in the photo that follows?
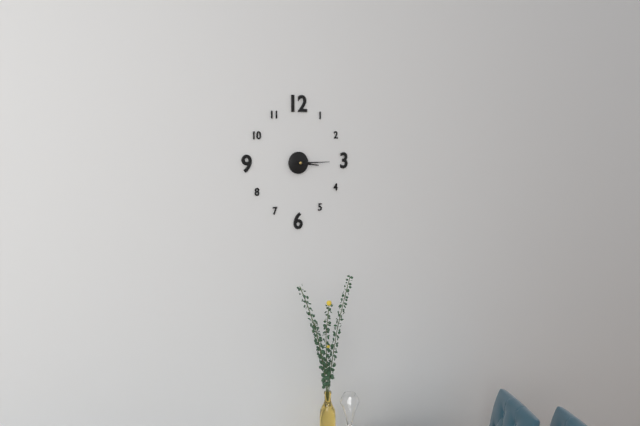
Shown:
h=3 m=15
